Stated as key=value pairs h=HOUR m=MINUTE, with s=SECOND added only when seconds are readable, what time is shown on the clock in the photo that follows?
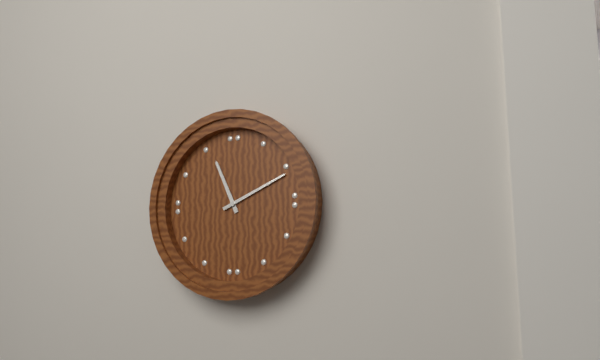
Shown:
h=11 m=11
